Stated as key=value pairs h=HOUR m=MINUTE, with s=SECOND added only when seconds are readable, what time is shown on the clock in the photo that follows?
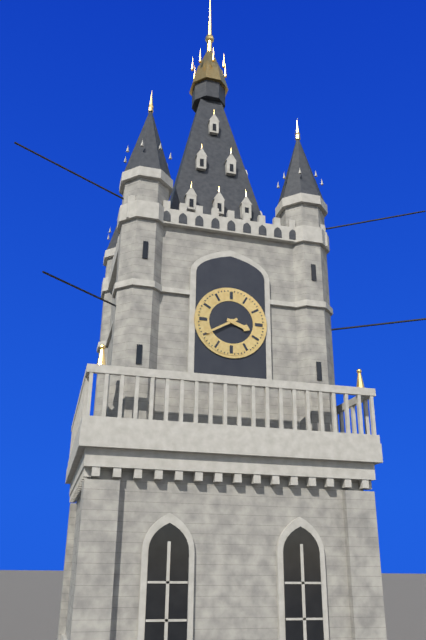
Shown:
h=3 m=40
